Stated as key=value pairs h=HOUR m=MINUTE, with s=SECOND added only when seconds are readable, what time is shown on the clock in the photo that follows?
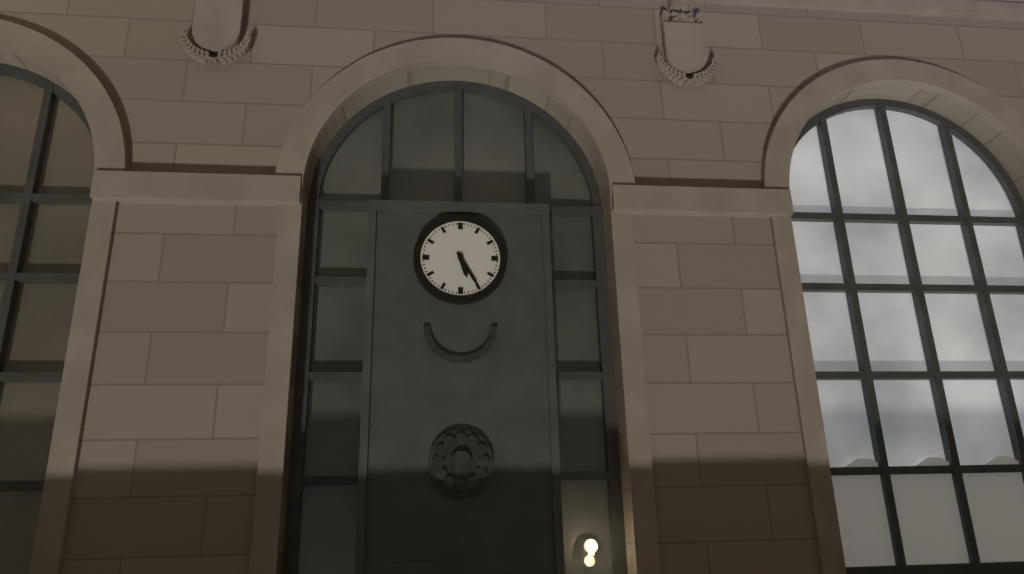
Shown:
h=5 m=25
